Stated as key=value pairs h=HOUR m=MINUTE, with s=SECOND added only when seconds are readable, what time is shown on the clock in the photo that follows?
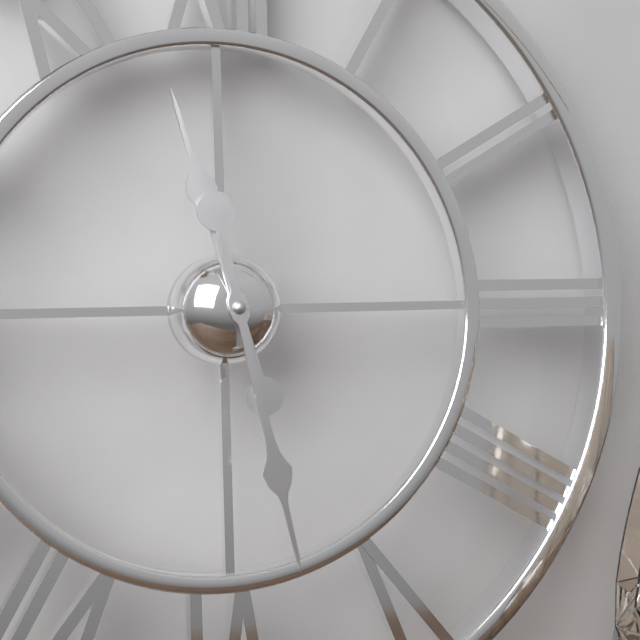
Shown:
h=11 m=28
